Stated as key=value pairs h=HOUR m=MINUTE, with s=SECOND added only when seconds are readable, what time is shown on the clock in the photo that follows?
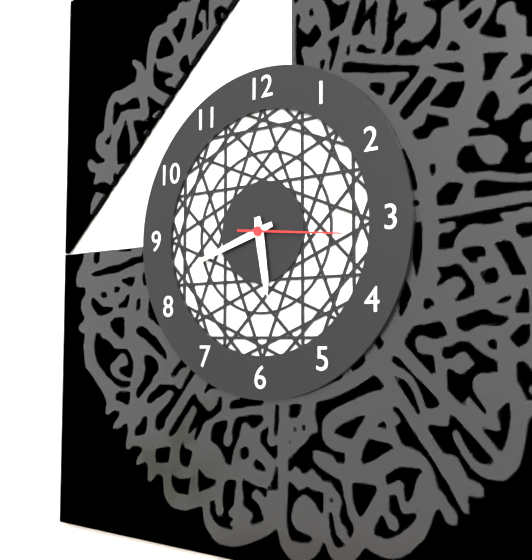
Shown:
h=5 m=42 s=16
